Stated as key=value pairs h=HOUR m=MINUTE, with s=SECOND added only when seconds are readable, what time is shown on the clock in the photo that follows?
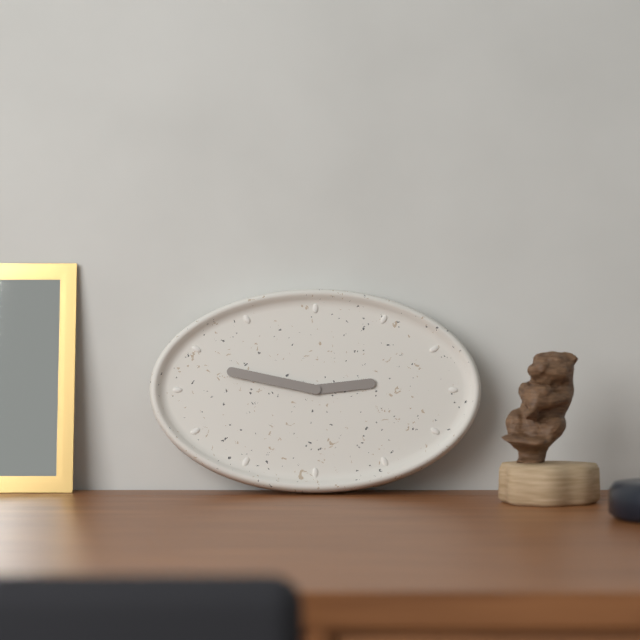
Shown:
h=2 m=47
